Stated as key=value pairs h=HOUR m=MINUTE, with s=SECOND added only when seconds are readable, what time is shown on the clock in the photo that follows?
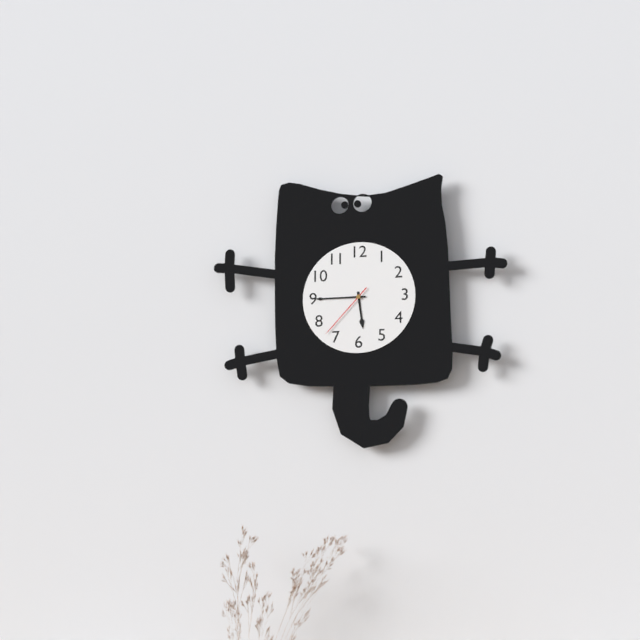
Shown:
h=5 m=45 s=37
